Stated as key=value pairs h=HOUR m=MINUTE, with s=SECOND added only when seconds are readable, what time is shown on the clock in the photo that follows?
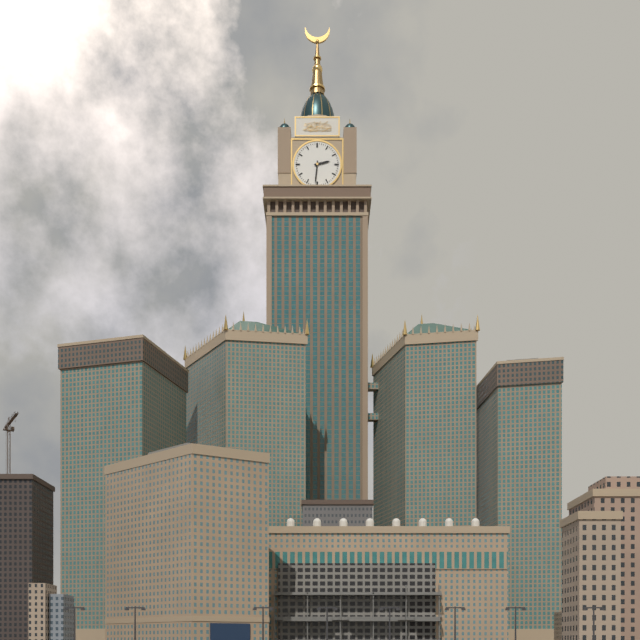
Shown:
h=2 m=31
